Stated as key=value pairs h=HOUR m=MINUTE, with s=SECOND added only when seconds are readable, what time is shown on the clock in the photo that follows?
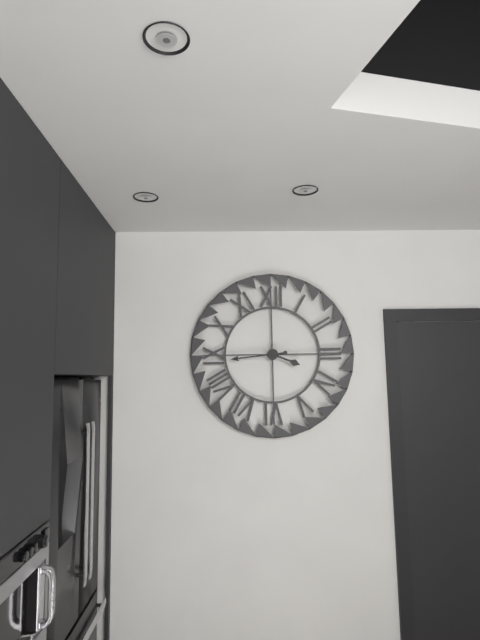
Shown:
h=3 m=44
